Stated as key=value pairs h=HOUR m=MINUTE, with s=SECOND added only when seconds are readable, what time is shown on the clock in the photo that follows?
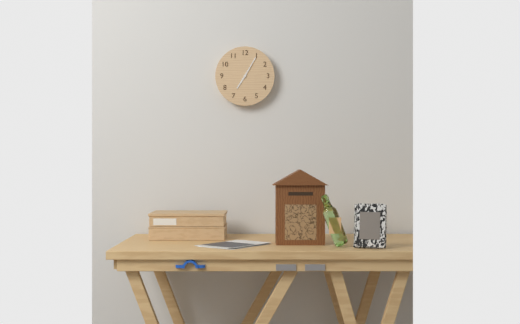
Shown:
h=7 m=5
